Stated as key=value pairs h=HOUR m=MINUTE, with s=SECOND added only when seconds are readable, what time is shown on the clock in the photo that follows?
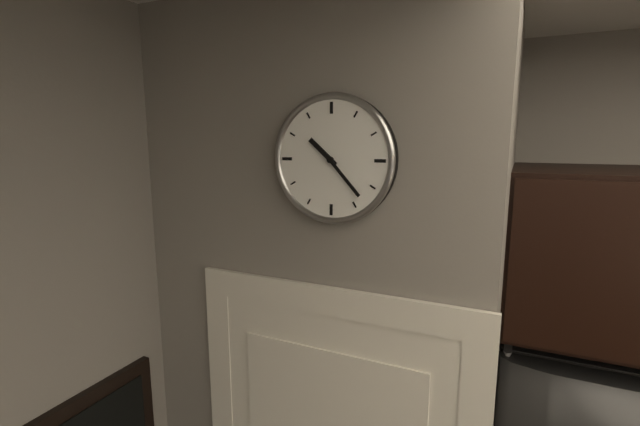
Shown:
h=10 m=23
